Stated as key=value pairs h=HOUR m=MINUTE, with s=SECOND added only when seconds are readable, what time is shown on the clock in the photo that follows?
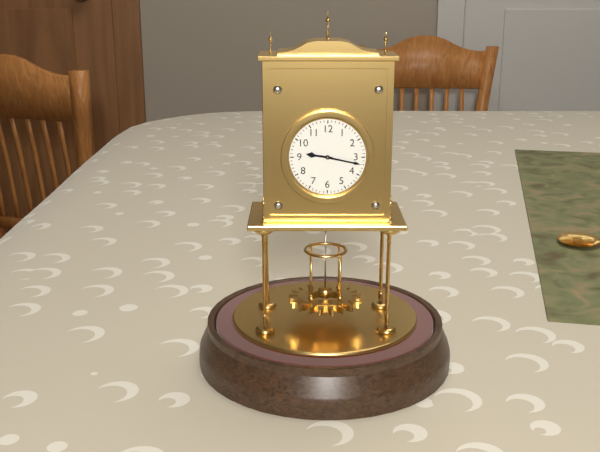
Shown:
h=9 m=17
